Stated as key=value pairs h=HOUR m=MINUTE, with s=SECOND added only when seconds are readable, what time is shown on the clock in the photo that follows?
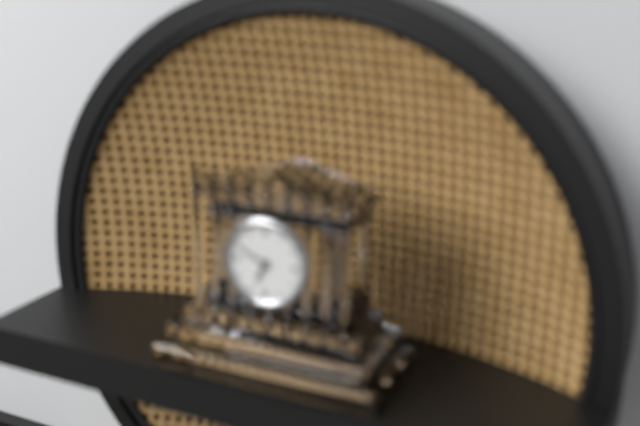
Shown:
h=6 m=49
